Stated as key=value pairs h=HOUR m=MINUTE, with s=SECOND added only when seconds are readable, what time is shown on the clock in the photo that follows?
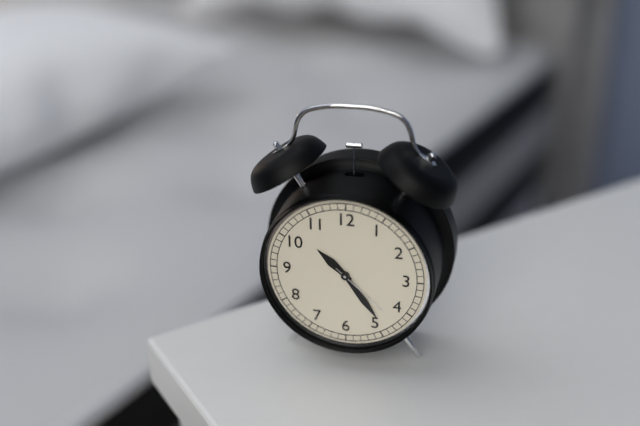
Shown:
h=10 m=24 s=22
